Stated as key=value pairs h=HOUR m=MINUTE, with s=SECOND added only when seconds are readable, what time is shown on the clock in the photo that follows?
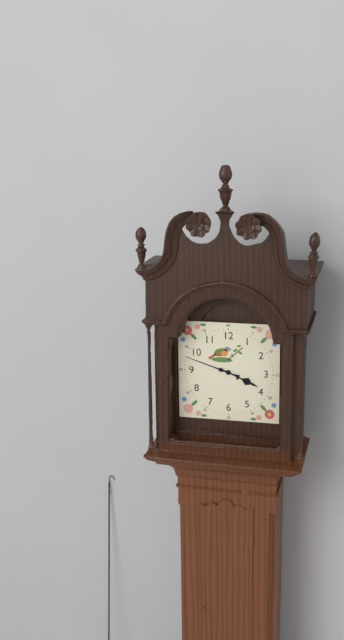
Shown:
h=3 m=48
